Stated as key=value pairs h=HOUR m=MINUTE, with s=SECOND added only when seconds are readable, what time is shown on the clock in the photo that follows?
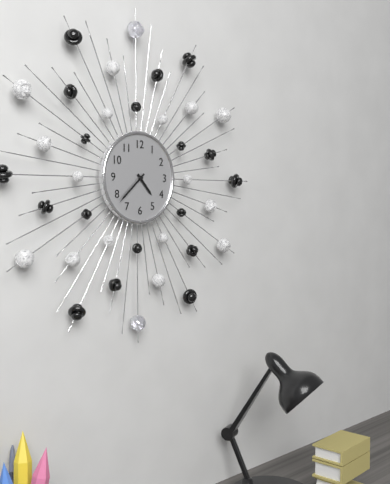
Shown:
h=4 m=38
